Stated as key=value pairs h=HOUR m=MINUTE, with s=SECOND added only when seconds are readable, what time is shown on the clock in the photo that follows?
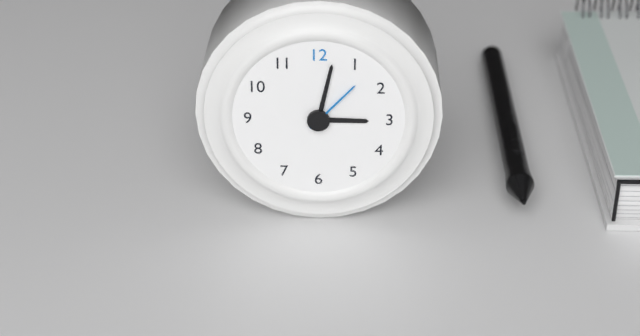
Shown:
h=3 m=2 s=7
